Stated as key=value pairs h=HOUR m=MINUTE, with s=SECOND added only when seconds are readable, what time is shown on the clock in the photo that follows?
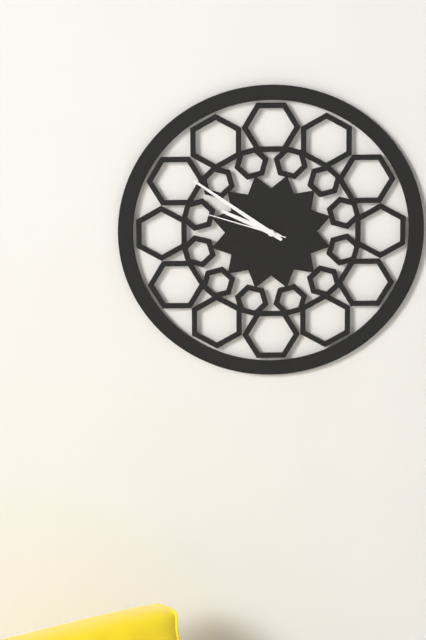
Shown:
h=9 m=51 s=48
